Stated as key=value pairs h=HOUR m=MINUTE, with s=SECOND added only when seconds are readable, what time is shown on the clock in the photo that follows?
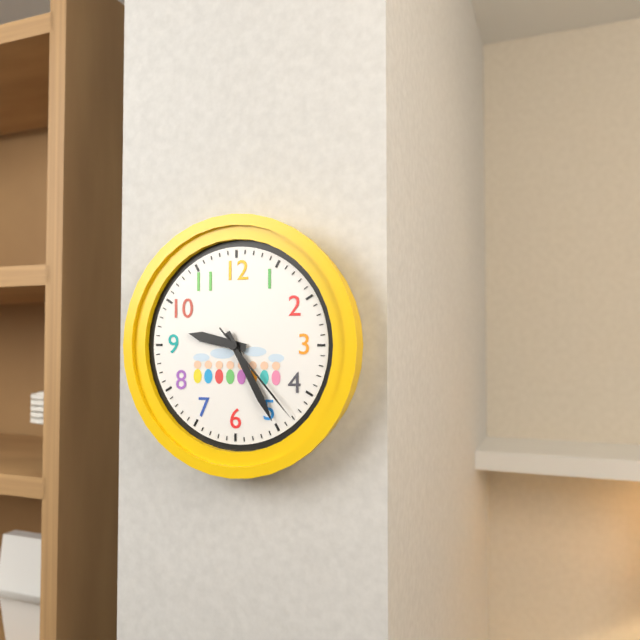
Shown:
h=9 m=25 s=23
